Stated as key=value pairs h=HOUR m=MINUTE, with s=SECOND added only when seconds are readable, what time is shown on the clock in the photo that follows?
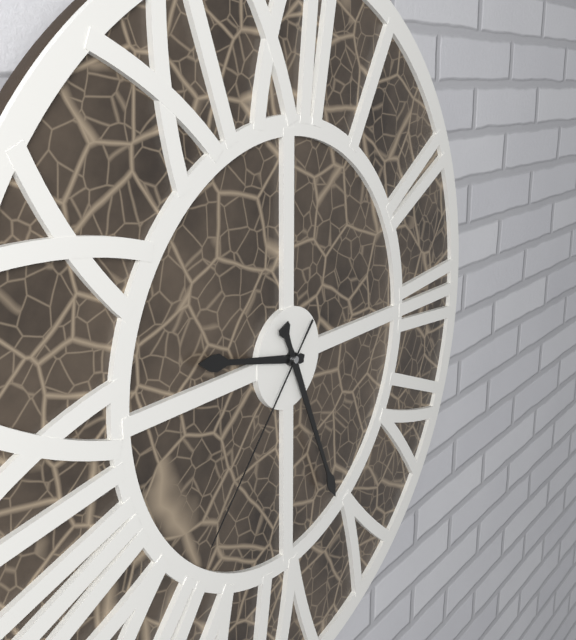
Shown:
h=9 m=26 s=37
